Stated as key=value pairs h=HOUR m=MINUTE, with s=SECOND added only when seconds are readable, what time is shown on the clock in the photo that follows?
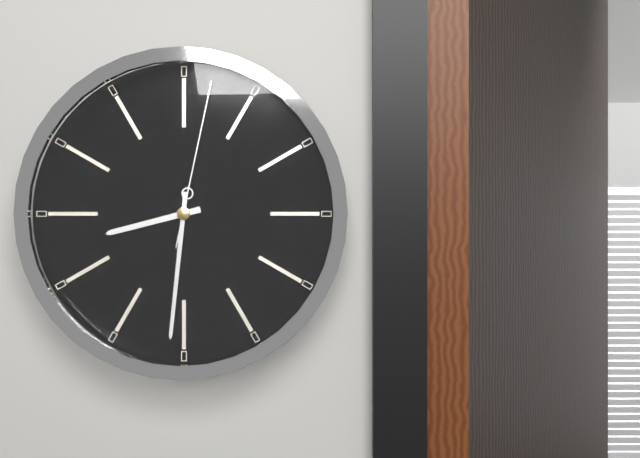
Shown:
h=8 m=31 s=2
